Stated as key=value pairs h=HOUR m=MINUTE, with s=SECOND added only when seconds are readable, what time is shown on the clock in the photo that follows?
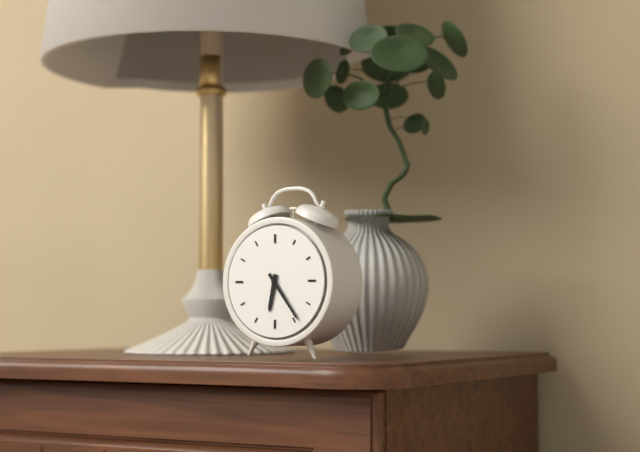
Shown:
h=6 m=24
